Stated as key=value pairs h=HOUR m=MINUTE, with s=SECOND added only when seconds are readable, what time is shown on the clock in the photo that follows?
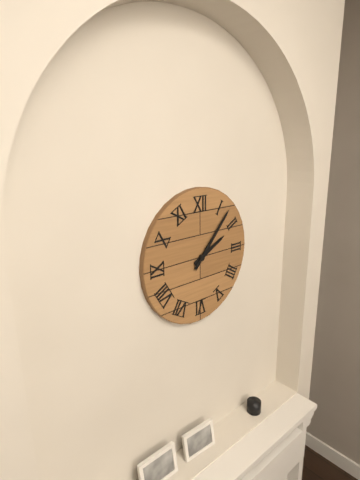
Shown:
h=2 m=7
